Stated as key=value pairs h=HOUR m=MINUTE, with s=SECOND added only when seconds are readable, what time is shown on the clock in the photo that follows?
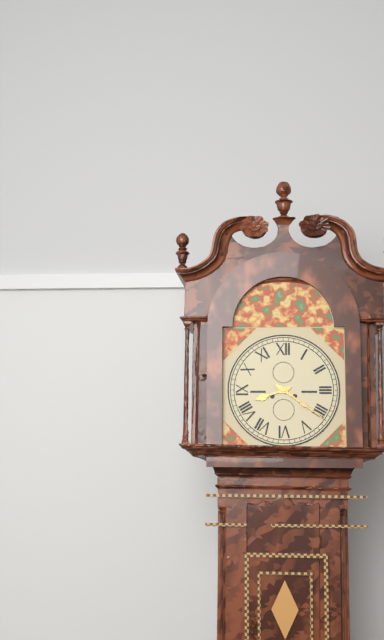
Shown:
h=8 m=21
